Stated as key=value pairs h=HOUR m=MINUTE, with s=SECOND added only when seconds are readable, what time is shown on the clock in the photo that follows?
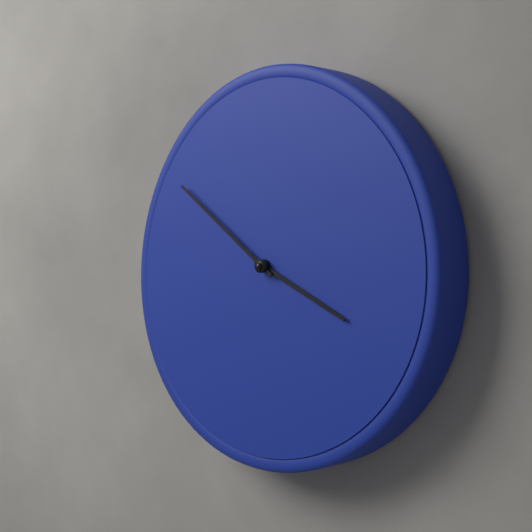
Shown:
h=3 m=51
